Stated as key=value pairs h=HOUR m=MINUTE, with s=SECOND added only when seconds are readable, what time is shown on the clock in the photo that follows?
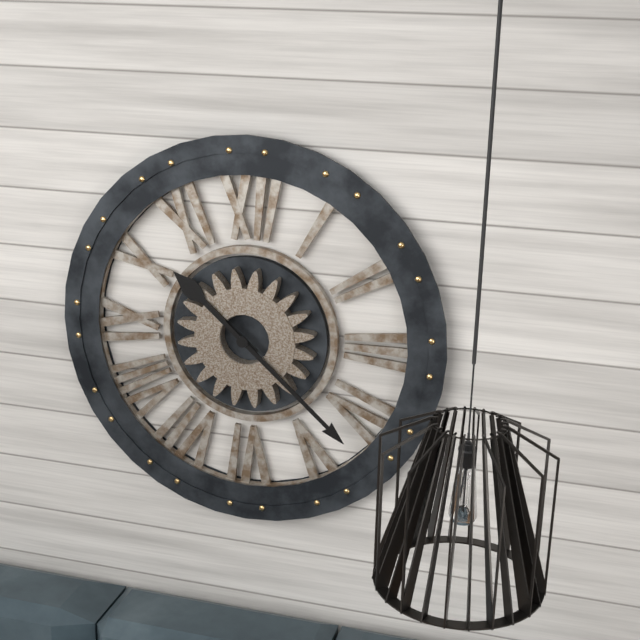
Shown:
h=10 m=22
